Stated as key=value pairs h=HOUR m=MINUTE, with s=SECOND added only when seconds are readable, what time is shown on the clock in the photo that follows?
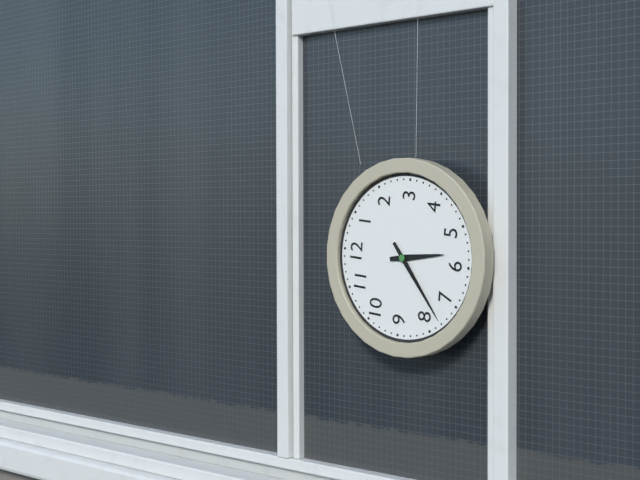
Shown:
h=5 m=38
